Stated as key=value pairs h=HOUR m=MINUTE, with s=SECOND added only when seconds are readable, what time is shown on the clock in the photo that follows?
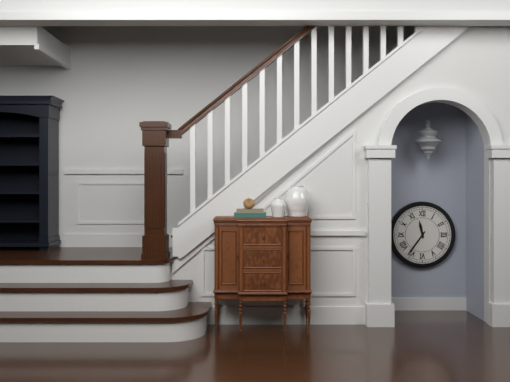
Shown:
h=11 m=36
